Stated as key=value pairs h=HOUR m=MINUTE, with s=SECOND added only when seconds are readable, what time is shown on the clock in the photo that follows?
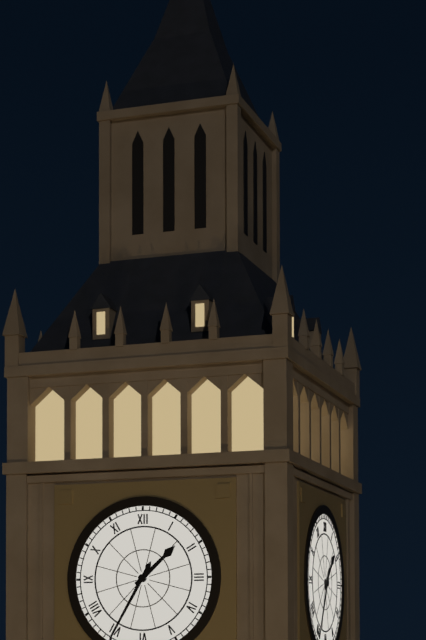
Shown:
h=1 m=35
